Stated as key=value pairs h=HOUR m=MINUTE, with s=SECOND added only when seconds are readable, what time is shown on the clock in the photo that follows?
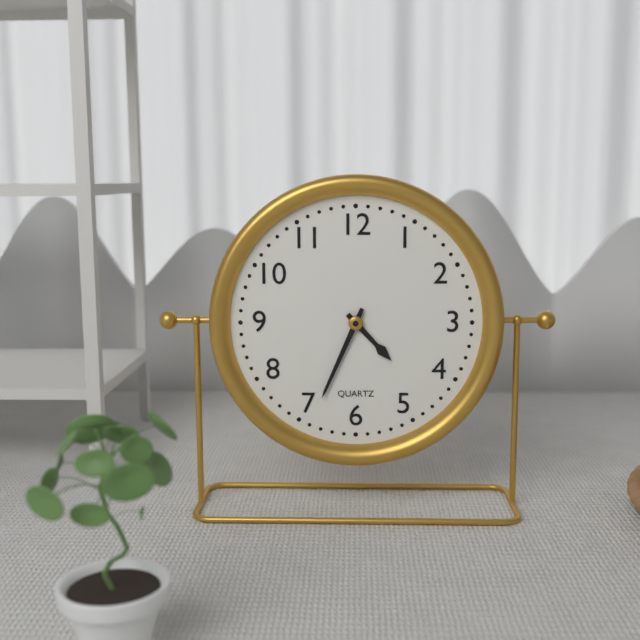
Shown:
h=4 m=34
